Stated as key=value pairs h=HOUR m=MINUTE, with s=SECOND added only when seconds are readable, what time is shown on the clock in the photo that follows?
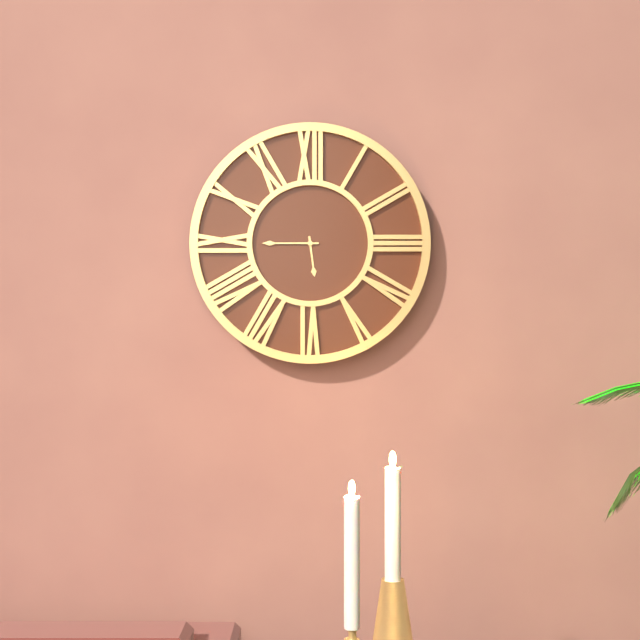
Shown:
h=5 m=45
